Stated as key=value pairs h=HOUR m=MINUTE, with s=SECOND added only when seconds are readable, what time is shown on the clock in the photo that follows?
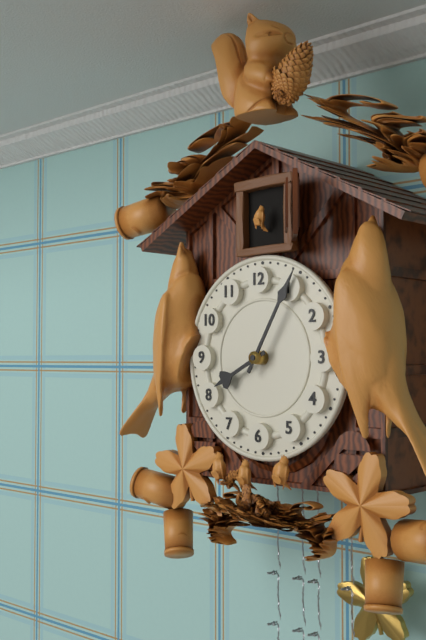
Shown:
h=8 m=5
